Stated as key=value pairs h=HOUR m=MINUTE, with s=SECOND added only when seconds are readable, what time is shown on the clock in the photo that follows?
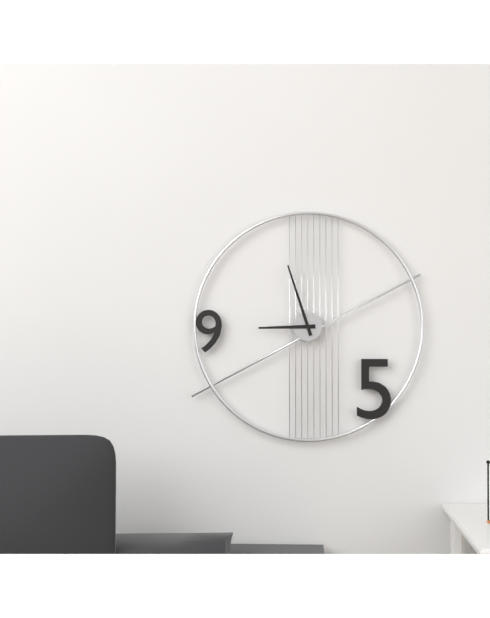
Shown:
h=8 m=57
